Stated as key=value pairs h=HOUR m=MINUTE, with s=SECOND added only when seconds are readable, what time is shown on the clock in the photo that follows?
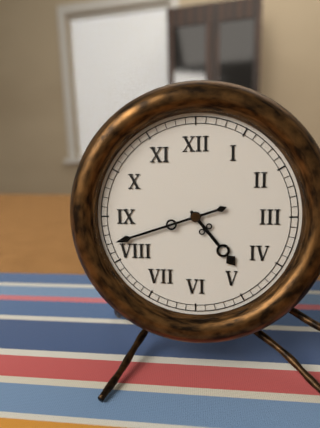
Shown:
h=4 m=42
